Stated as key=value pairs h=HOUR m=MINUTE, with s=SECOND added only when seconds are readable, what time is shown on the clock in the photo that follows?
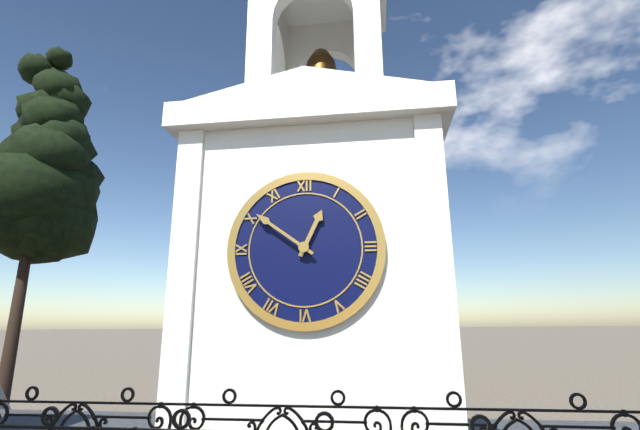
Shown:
h=12 m=51
